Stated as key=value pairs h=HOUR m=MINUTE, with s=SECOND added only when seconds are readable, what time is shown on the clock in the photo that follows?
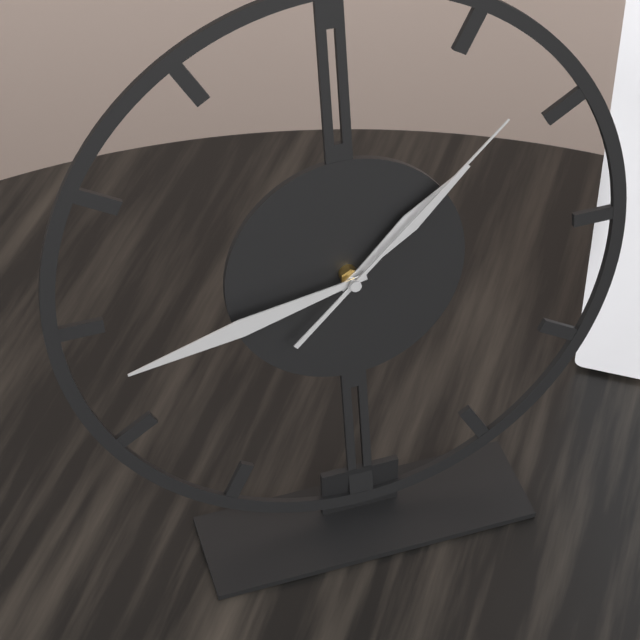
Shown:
h=1 m=43 s=8
